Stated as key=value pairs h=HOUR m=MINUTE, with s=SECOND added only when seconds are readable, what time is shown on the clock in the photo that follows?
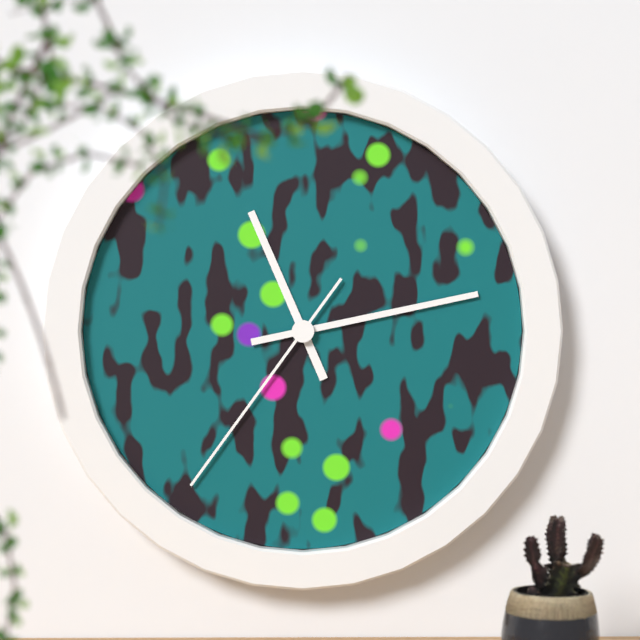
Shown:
h=11 m=13 s=36
